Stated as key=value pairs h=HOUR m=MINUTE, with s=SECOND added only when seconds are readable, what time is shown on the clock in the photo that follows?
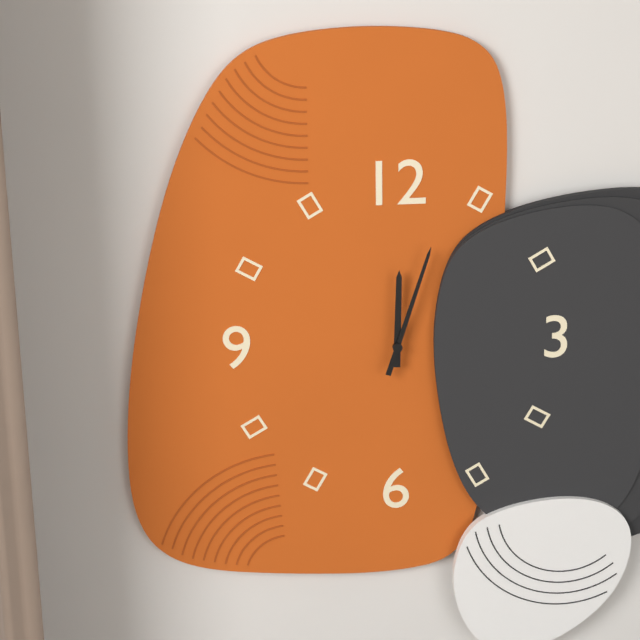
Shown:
h=12 m=3
